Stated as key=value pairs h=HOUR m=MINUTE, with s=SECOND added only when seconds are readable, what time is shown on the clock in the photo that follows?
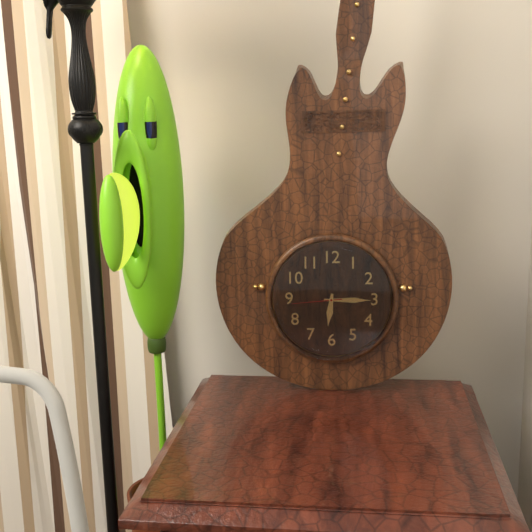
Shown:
h=6 m=15 s=44
